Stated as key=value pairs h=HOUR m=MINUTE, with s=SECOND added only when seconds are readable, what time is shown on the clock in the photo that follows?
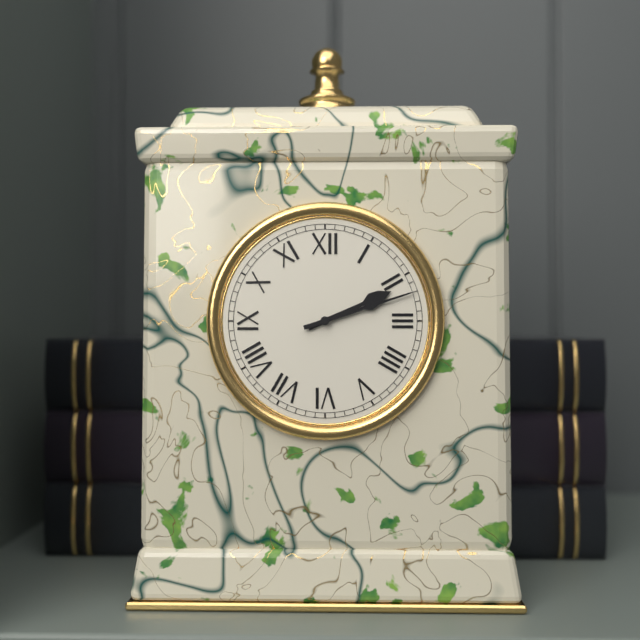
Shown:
h=2 m=12
